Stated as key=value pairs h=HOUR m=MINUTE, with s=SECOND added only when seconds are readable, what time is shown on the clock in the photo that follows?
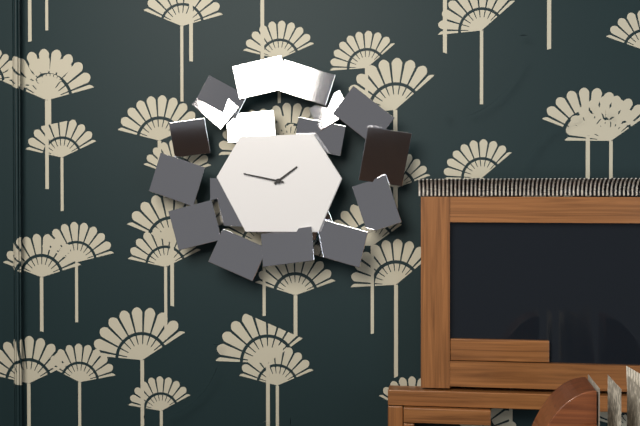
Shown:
h=1 m=47
